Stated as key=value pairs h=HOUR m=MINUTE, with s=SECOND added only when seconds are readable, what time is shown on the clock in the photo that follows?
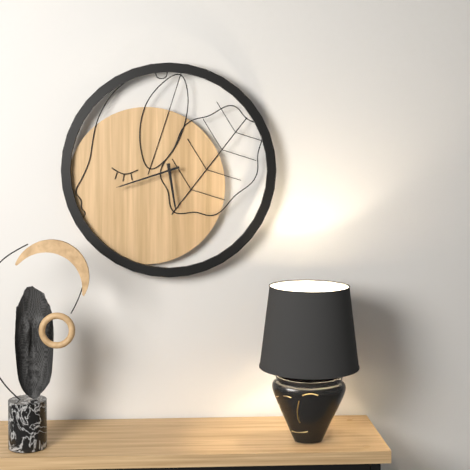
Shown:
h=5 m=42
